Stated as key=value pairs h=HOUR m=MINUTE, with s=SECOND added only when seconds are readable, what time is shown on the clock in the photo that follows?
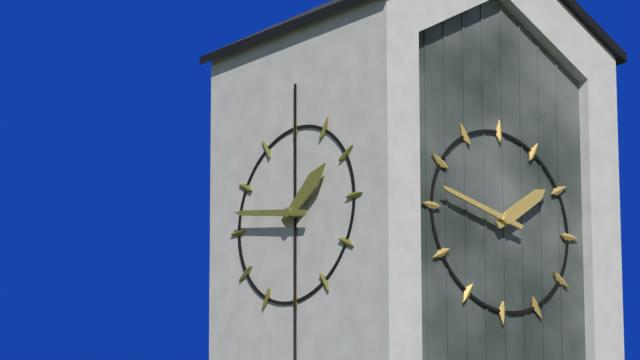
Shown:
h=1 m=47
